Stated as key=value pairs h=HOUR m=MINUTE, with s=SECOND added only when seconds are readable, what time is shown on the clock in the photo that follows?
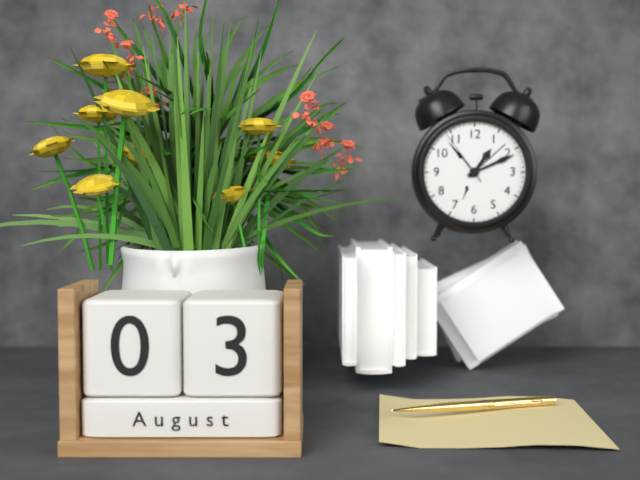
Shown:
h=1 m=11 s=54
